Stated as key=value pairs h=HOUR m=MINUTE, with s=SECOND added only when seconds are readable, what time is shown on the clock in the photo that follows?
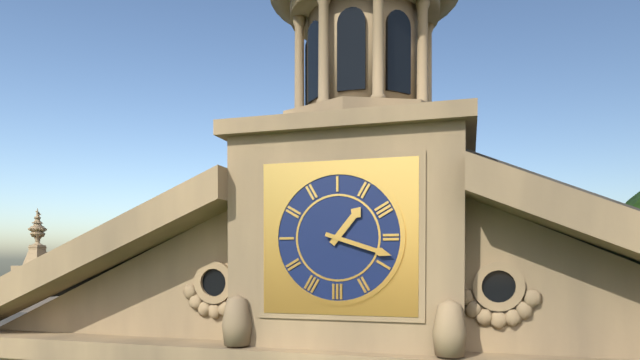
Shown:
h=1 m=18
